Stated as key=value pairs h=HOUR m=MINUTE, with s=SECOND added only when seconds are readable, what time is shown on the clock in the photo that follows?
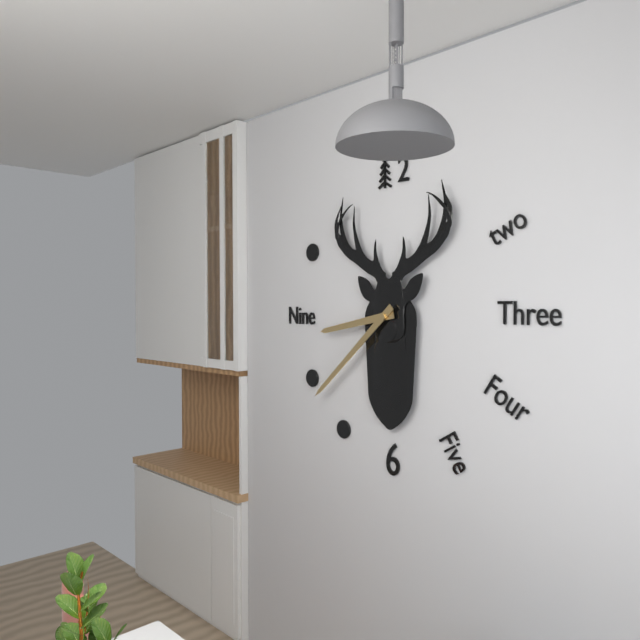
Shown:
h=8 m=38
